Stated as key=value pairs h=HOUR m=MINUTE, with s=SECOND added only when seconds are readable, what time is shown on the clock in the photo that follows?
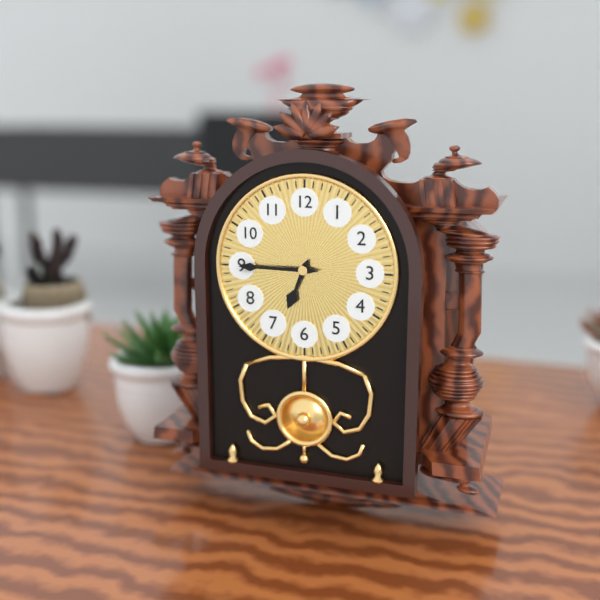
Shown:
h=6 m=45
